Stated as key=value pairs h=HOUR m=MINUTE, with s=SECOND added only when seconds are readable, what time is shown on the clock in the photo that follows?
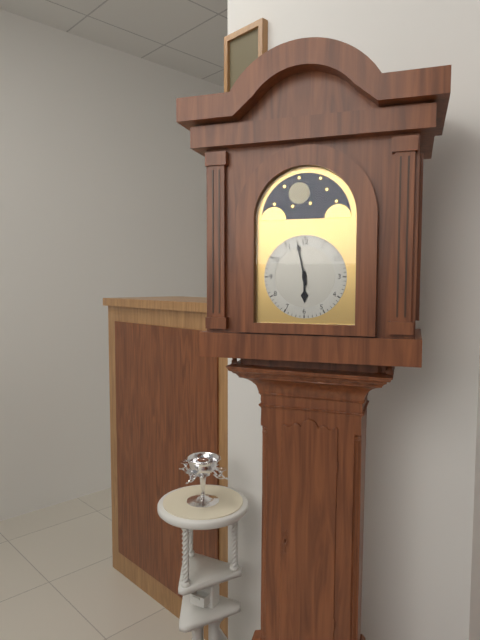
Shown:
h=5 m=58
